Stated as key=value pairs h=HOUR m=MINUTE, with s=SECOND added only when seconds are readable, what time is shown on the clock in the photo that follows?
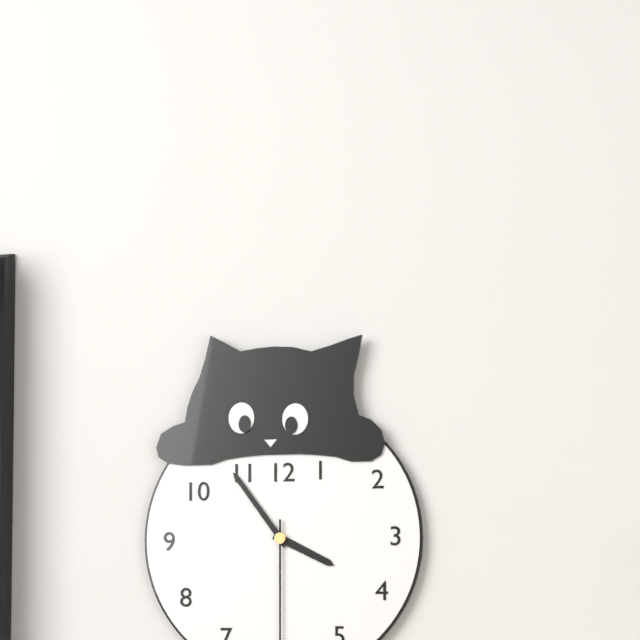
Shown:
h=3 m=54
